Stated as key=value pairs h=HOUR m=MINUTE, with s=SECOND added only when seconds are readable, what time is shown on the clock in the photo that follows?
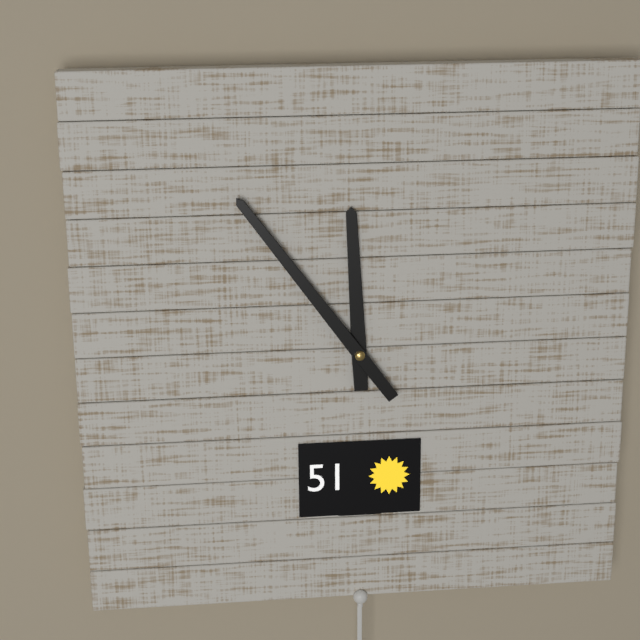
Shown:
h=11 m=54
